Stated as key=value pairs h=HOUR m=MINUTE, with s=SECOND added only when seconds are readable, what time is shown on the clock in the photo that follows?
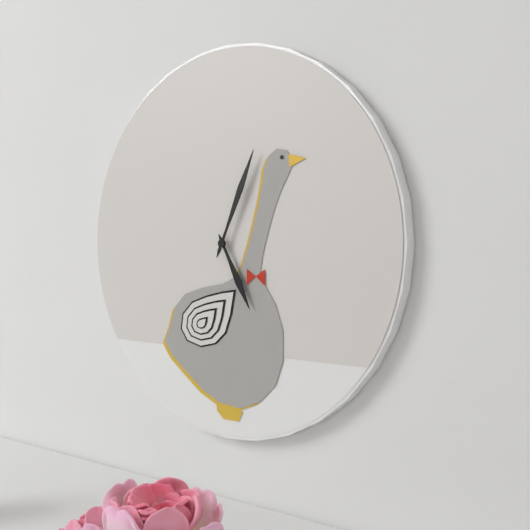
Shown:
h=5 m=4
